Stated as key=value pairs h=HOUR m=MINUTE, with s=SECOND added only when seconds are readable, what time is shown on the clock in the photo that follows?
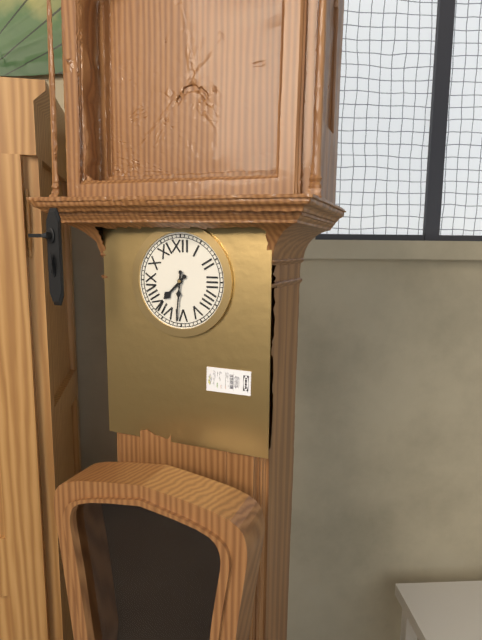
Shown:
h=7 m=31
